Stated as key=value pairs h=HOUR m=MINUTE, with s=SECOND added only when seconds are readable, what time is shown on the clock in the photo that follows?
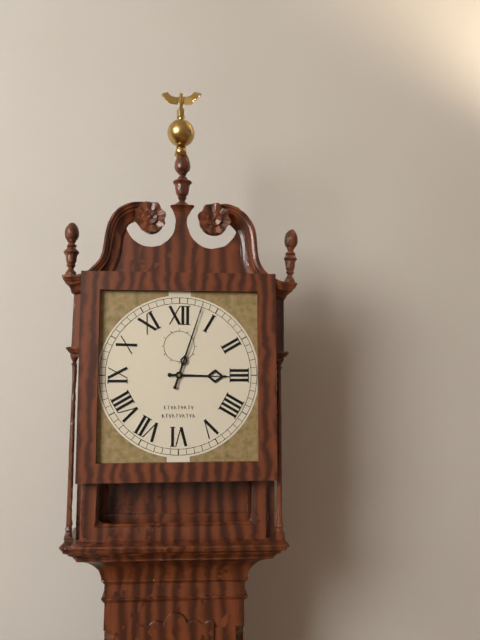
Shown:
h=3 m=3
